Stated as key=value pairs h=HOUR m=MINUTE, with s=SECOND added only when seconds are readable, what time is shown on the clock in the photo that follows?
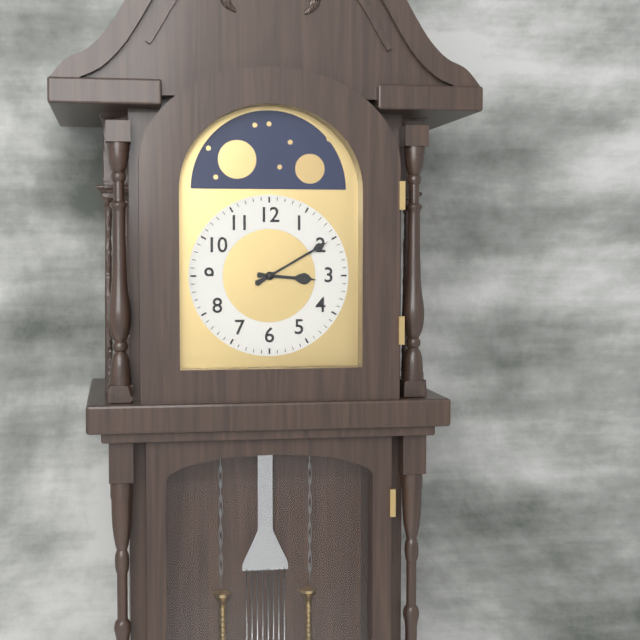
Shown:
h=3 m=10
